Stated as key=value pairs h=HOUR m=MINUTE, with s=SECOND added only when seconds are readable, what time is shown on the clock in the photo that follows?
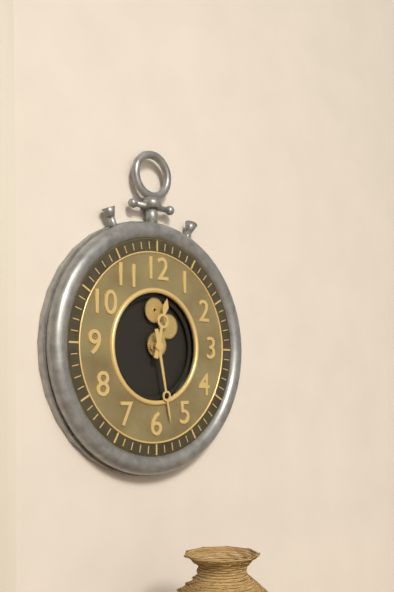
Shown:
h=12 m=28
